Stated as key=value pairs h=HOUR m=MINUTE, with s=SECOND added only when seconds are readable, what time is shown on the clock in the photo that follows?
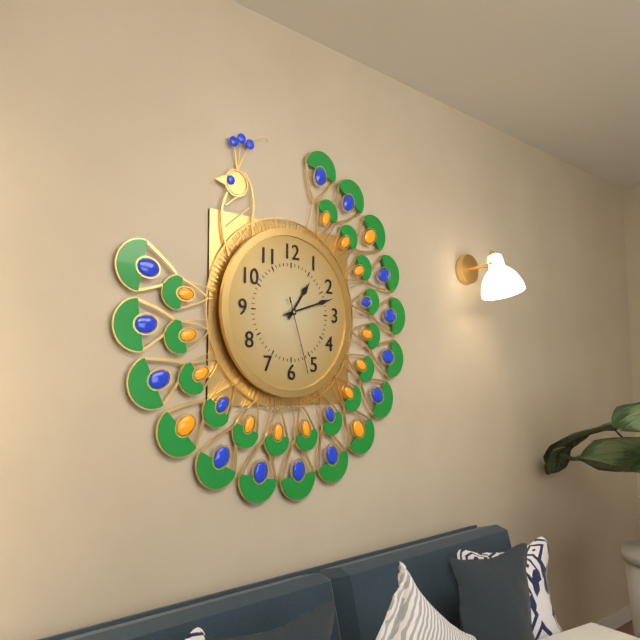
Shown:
h=1 m=12 s=27
